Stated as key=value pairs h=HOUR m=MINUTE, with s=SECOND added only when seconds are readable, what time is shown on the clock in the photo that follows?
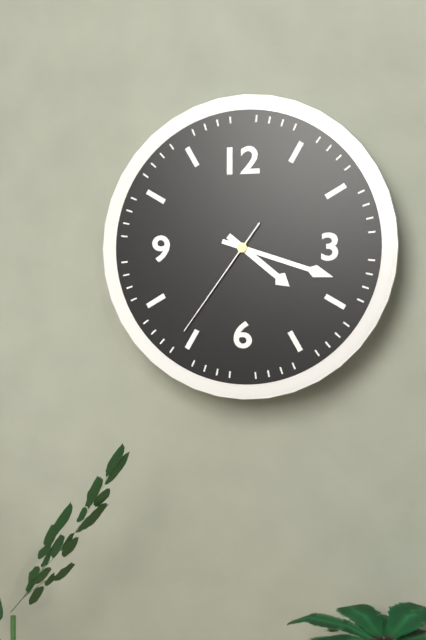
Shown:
h=4 m=18 s=36
